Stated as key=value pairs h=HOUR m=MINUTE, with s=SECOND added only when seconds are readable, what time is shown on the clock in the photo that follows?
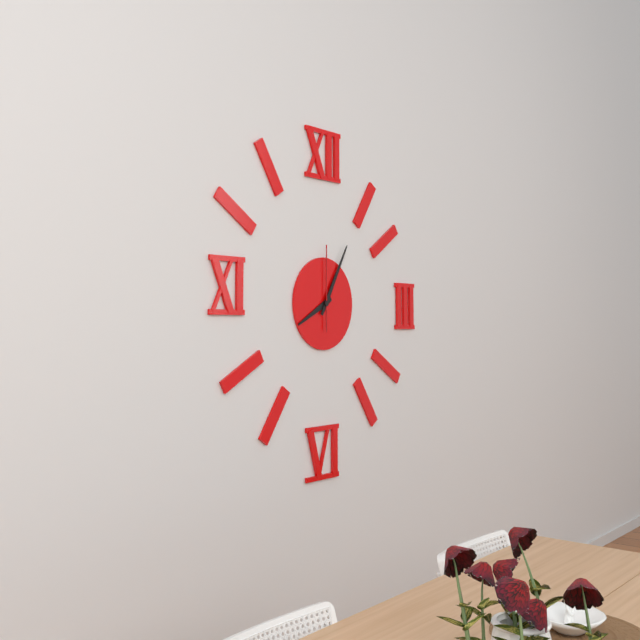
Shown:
h=8 m=5 s=0
